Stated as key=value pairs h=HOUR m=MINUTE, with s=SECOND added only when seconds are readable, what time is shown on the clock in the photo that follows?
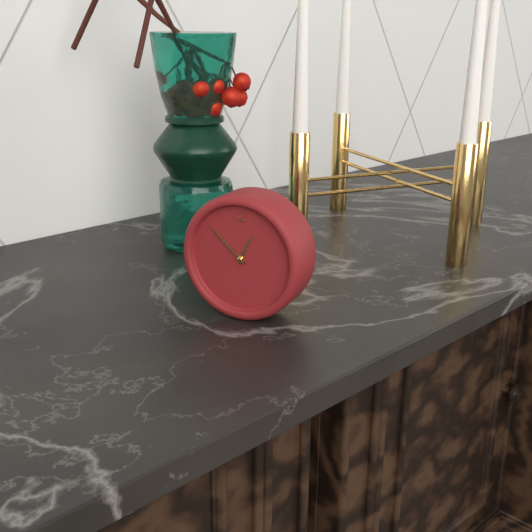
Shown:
h=12 m=52
